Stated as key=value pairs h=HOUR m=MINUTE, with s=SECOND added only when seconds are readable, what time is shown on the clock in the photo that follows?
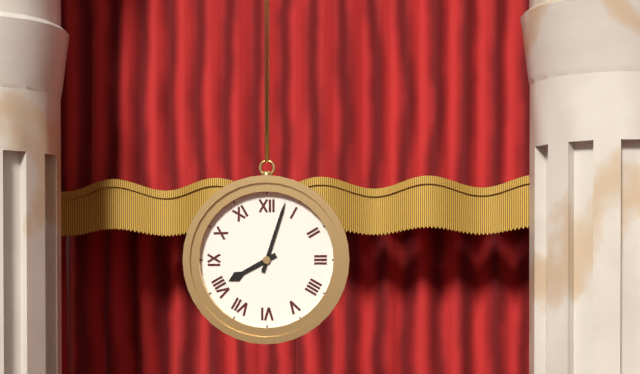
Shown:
h=8 m=3
